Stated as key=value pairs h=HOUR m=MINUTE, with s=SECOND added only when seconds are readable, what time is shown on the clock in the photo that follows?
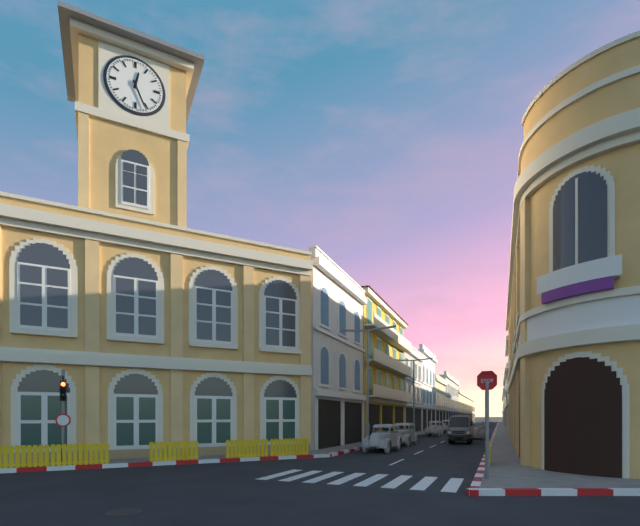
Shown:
h=12 m=26
